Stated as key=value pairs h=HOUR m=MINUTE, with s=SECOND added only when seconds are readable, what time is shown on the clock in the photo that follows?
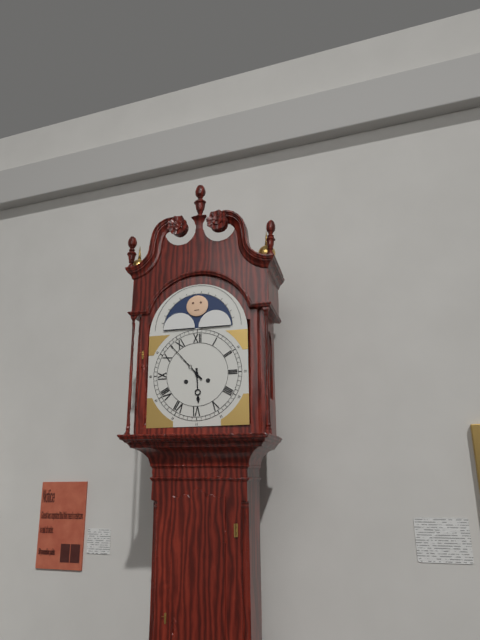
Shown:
h=5 m=53
